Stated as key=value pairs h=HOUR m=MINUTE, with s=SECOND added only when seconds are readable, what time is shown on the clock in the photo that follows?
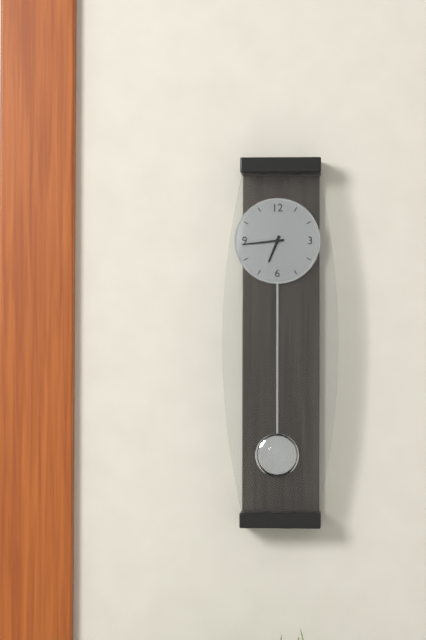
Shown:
h=6 m=44
